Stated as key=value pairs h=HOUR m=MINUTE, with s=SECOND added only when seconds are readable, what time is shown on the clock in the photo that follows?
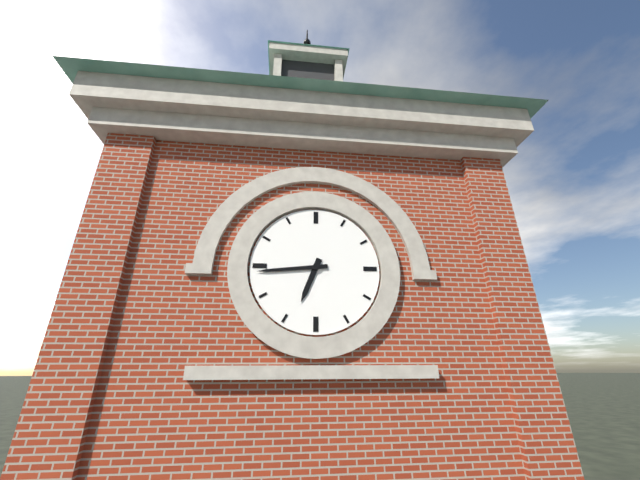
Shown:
h=6 m=44
